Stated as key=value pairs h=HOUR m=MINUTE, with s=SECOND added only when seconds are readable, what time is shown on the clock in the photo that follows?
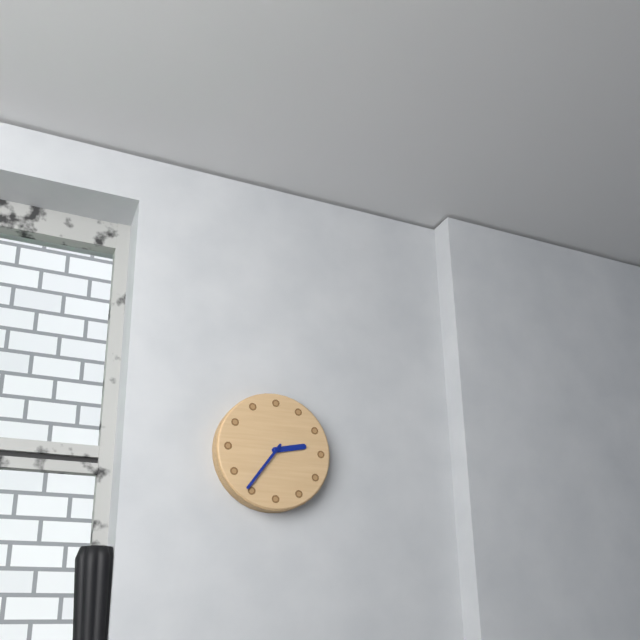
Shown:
h=2 m=36
